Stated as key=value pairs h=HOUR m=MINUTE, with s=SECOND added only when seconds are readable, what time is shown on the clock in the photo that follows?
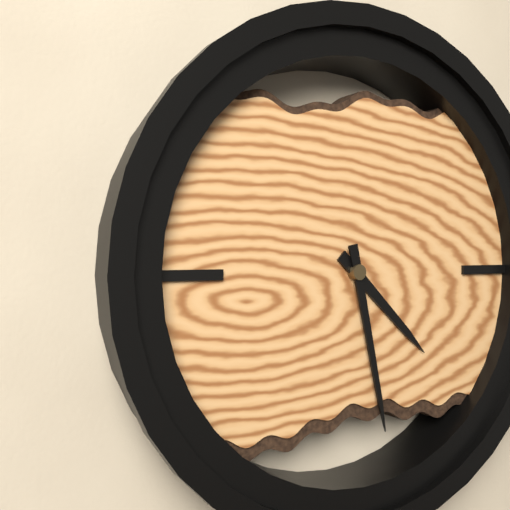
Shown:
h=4 m=28
